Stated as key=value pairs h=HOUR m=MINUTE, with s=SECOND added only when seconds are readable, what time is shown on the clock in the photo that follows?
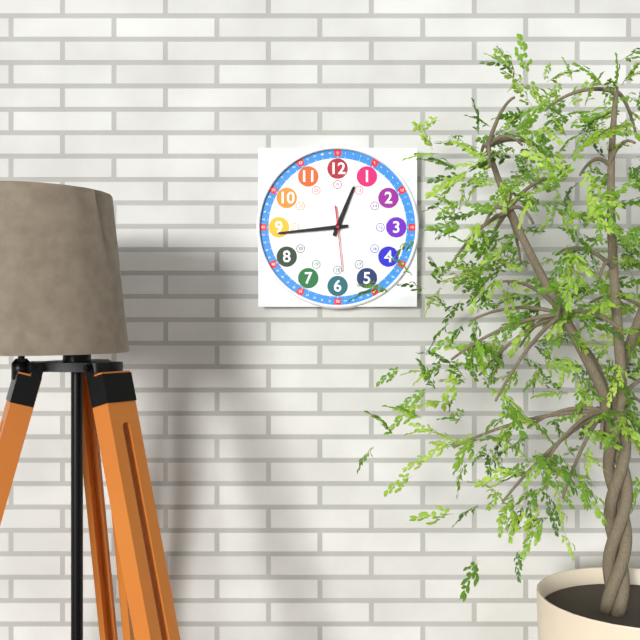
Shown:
h=12 m=44 s=29
